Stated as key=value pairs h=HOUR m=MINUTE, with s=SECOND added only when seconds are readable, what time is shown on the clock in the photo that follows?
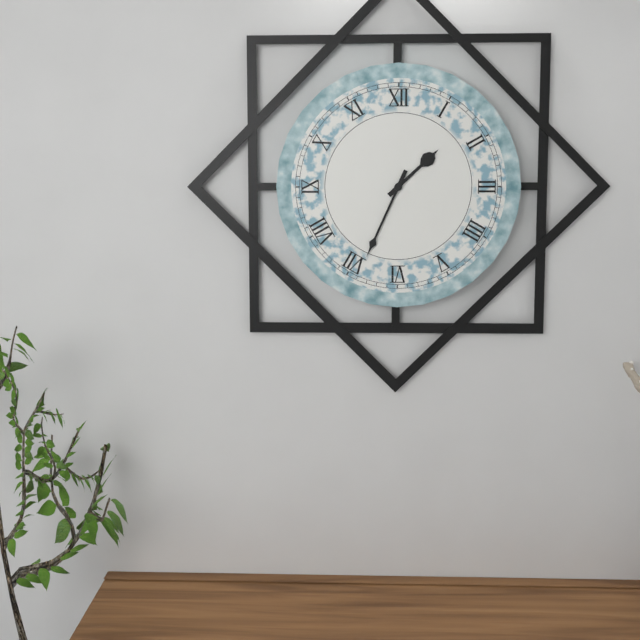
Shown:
h=1 m=34
